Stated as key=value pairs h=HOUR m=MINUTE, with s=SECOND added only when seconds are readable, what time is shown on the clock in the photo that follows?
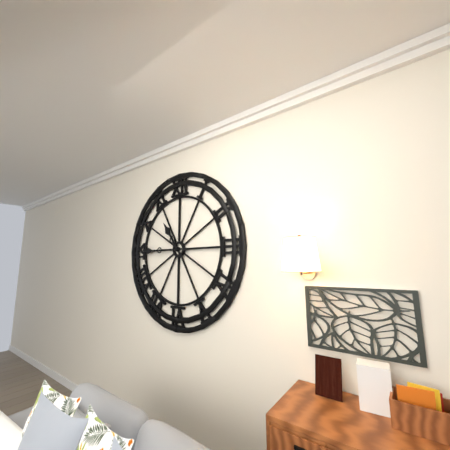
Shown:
h=10 m=45
